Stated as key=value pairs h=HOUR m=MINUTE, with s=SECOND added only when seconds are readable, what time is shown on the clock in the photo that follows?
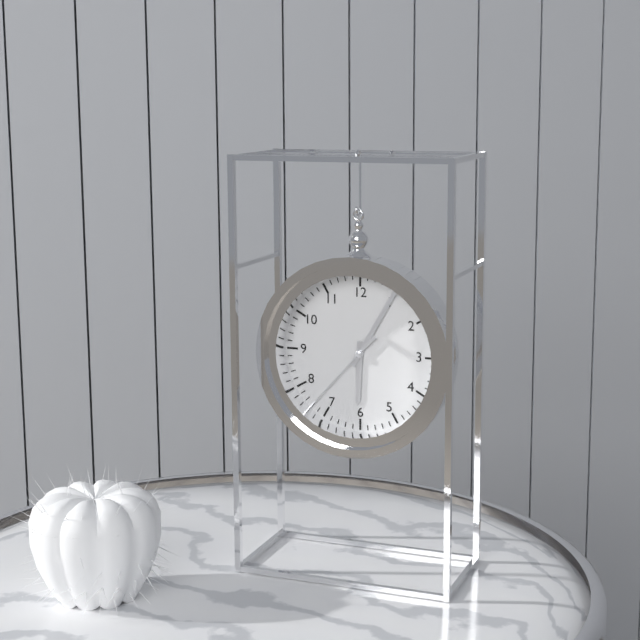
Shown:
h=6 m=5 s=37
